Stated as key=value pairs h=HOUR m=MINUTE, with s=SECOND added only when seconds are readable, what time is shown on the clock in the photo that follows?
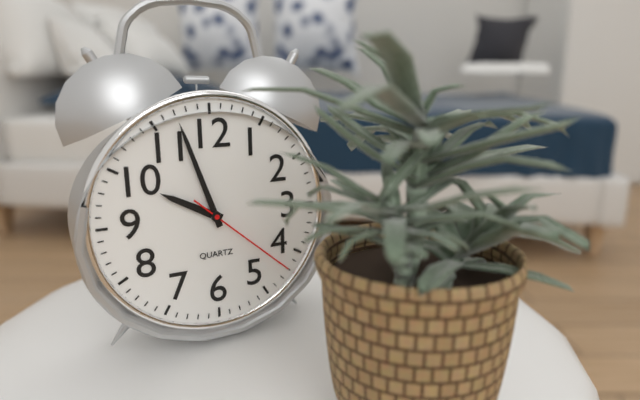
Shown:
h=9 m=57 s=22
